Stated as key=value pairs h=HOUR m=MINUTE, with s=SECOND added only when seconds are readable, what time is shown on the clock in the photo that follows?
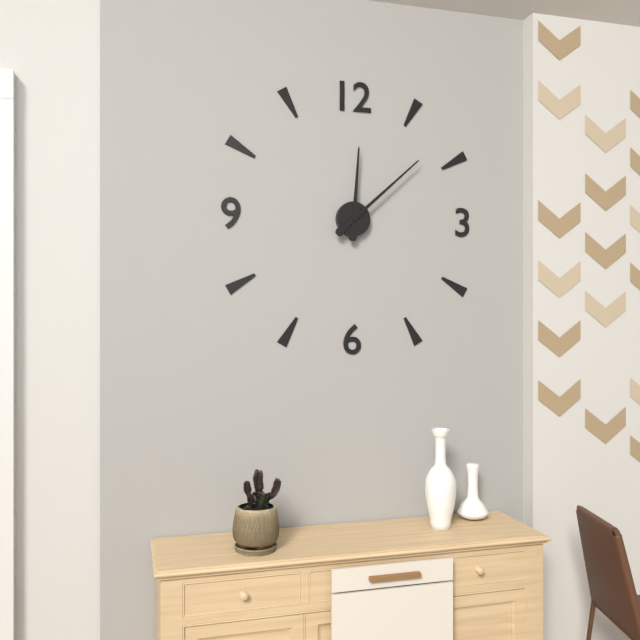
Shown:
h=12 m=8
